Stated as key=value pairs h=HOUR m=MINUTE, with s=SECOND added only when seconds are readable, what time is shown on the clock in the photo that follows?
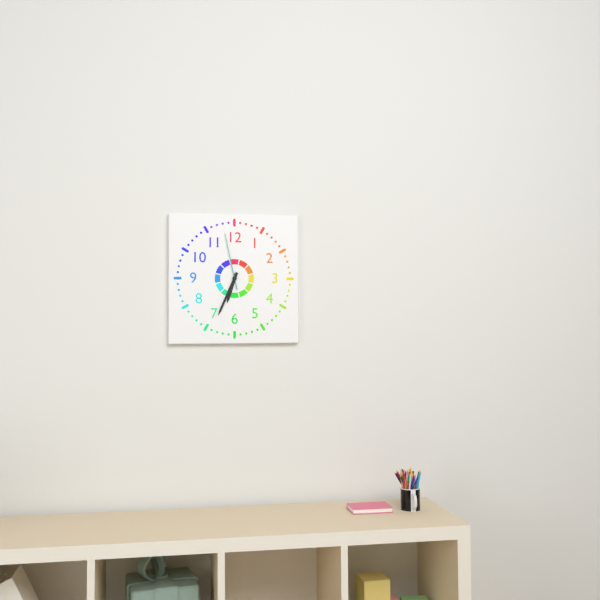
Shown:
h=6 m=34 s=58
